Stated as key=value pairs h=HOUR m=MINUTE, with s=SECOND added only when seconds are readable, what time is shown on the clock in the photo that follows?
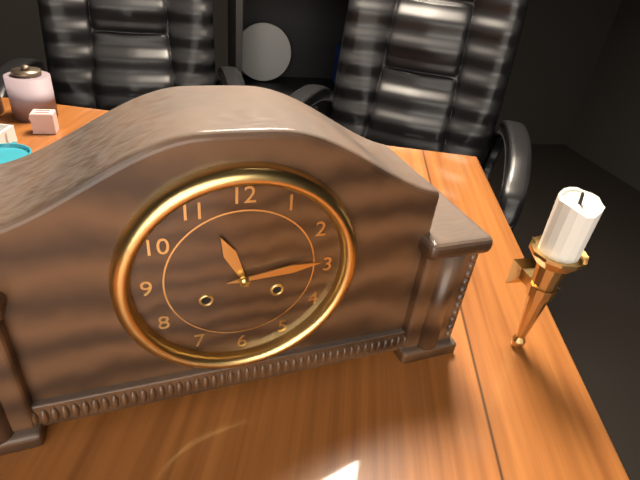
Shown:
h=11 m=14
